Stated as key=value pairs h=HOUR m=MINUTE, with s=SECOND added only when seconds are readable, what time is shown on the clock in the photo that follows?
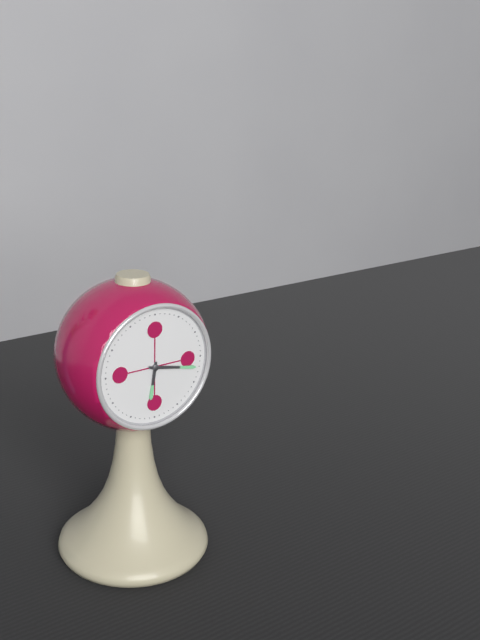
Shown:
h=6 m=17
